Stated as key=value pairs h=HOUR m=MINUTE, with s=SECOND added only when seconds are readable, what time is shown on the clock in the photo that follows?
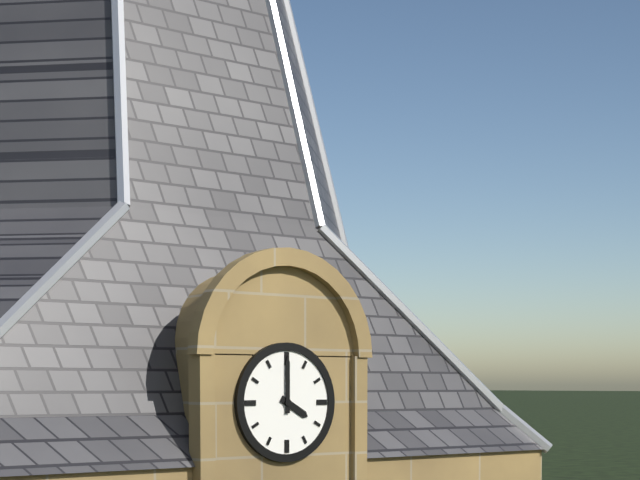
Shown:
h=4 m=0
